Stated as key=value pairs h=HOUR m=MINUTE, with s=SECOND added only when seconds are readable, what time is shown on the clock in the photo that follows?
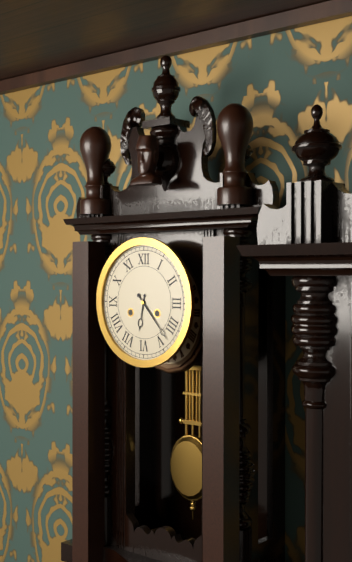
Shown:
h=6 m=23
